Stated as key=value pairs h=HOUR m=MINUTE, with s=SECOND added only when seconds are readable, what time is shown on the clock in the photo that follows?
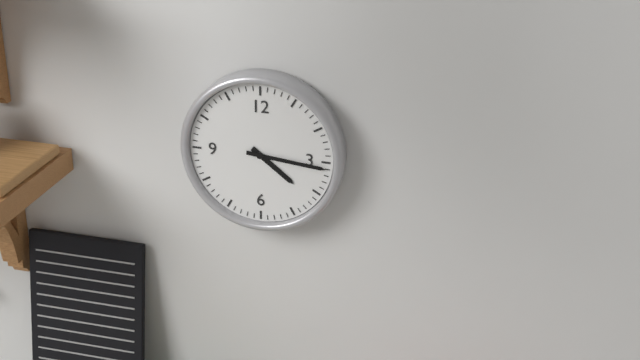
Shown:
h=4 m=16
